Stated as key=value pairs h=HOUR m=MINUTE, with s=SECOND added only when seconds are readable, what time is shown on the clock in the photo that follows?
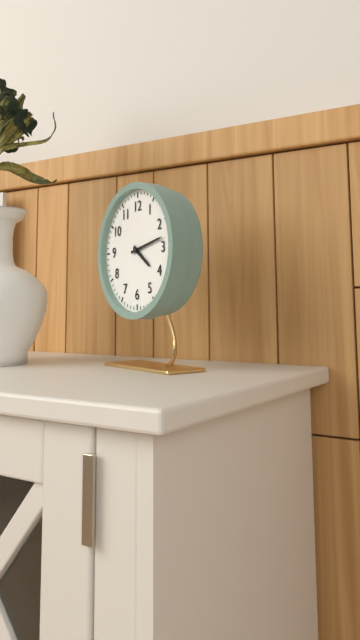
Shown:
h=4 m=13
